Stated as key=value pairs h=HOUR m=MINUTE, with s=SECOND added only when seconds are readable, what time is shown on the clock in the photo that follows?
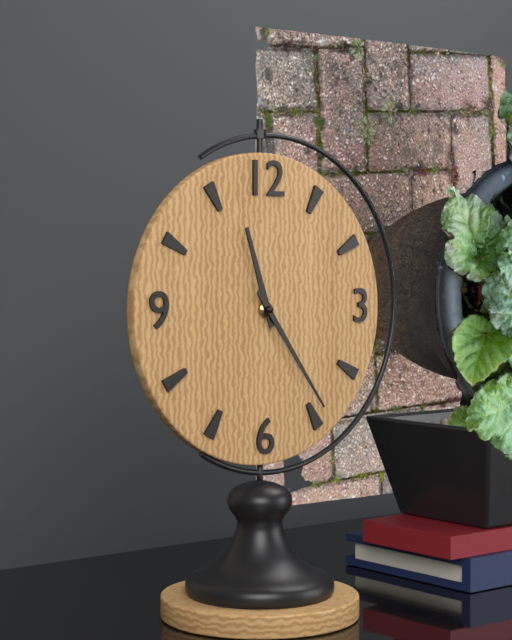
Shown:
h=11 m=24
